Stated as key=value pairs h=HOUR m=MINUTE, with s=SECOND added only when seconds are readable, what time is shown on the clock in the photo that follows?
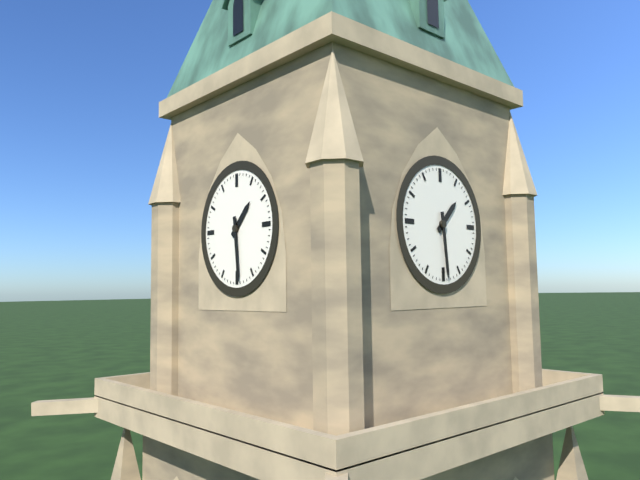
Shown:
h=1 m=29
